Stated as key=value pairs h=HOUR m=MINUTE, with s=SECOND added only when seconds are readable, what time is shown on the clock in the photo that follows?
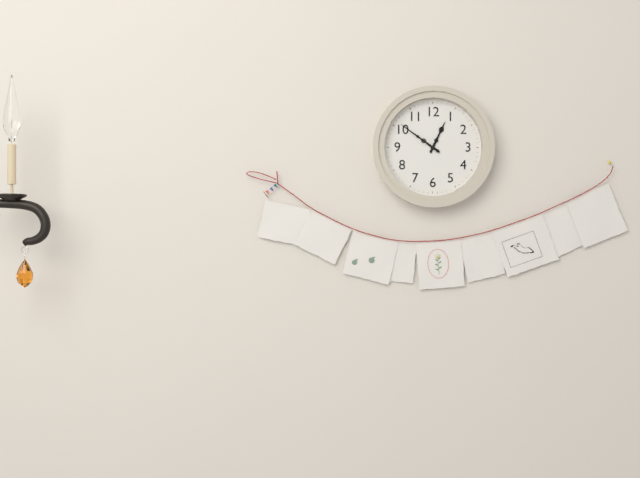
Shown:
h=12 m=51
